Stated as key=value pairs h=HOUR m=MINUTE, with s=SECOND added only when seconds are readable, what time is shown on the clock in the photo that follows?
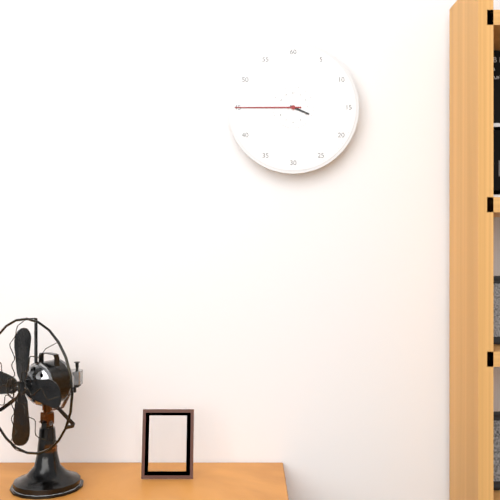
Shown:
h=3 m=45
